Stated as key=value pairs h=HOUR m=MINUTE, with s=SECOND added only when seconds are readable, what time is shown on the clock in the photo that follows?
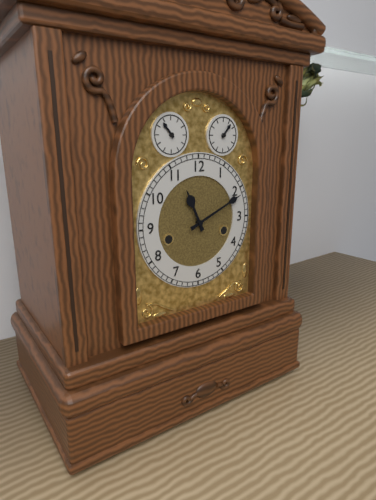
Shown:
h=11 m=11
